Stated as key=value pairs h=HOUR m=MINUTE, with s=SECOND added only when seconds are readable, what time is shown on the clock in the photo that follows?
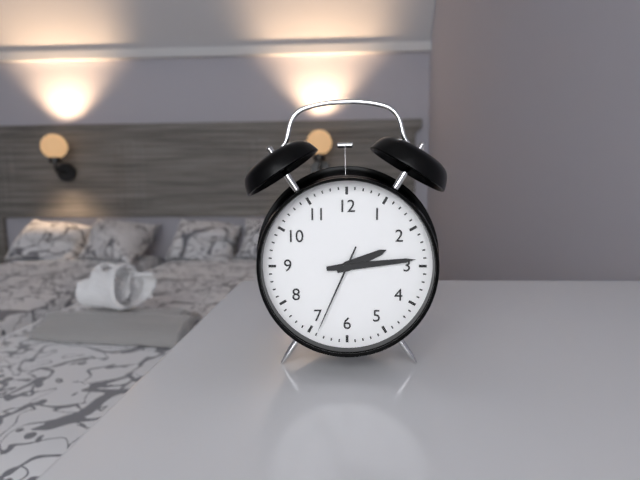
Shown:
h=2 m=14 s=34
